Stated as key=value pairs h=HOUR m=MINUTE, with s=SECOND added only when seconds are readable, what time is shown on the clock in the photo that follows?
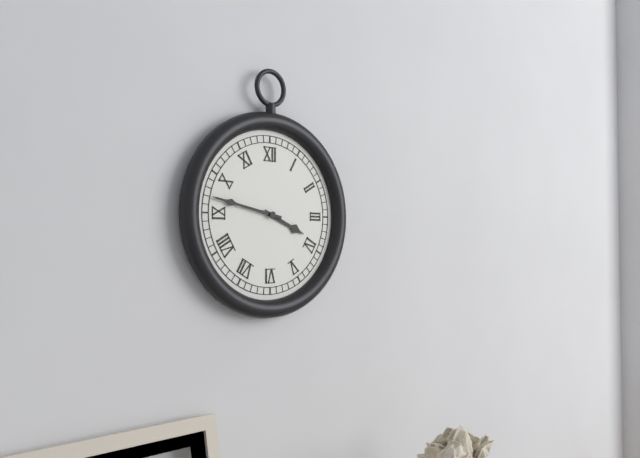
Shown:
h=3 m=47
